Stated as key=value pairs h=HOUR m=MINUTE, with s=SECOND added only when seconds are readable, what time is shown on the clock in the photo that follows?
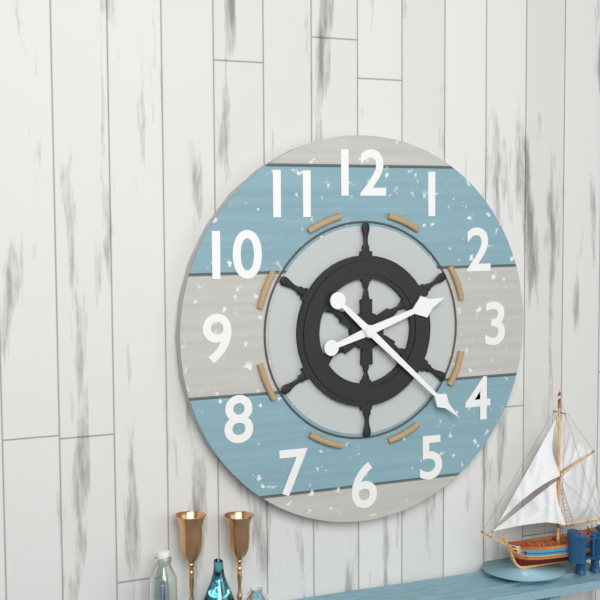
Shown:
h=2 m=22
